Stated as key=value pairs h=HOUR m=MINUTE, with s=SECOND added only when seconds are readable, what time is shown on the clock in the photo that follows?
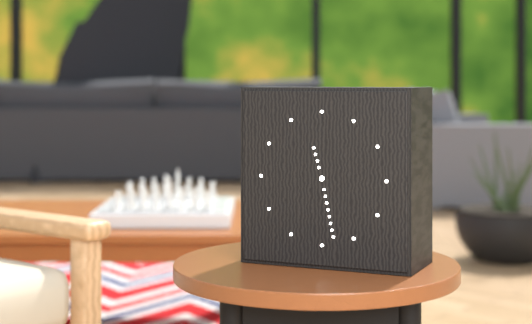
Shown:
h=11 m=28
